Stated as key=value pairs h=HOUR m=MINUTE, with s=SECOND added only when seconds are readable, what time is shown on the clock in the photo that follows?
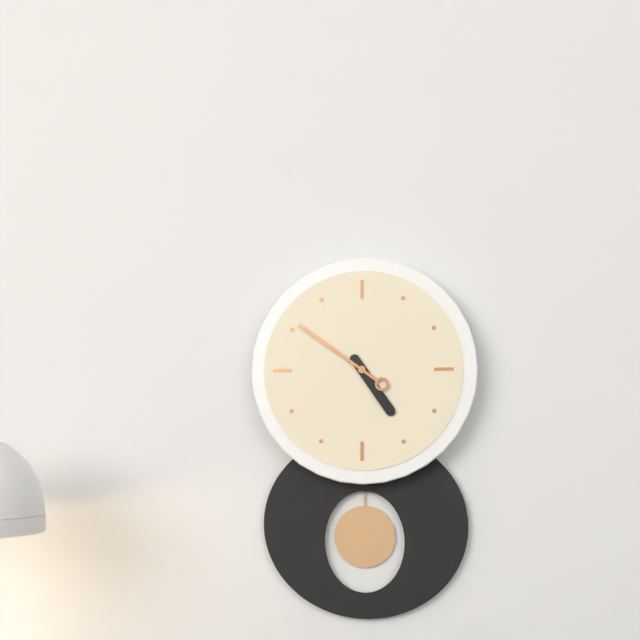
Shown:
h=4 m=51
